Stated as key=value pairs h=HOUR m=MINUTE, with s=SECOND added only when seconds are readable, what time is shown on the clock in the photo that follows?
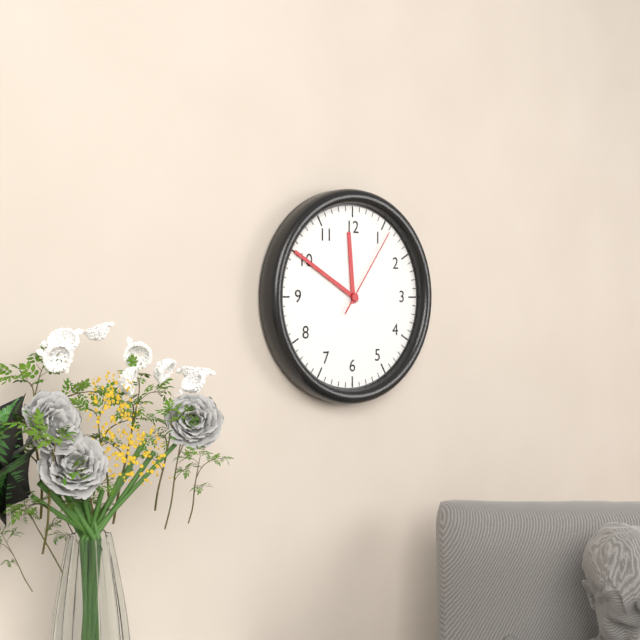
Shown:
h=11 m=50 s=6
